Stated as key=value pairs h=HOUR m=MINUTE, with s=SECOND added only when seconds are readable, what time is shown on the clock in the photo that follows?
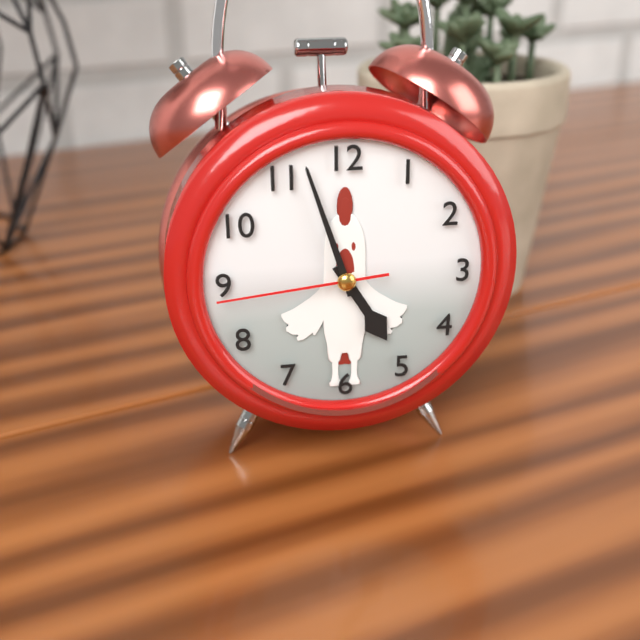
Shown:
h=4 m=57 s=44
